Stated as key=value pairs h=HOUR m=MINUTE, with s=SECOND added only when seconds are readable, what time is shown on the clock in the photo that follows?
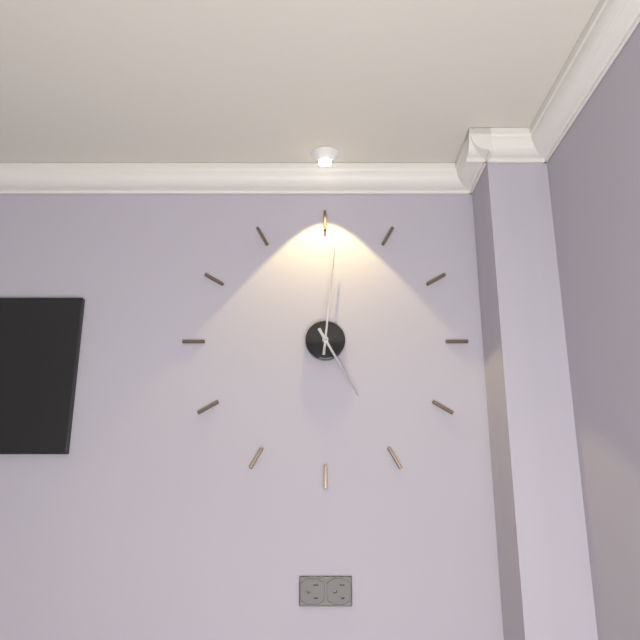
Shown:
h=5 m=1
